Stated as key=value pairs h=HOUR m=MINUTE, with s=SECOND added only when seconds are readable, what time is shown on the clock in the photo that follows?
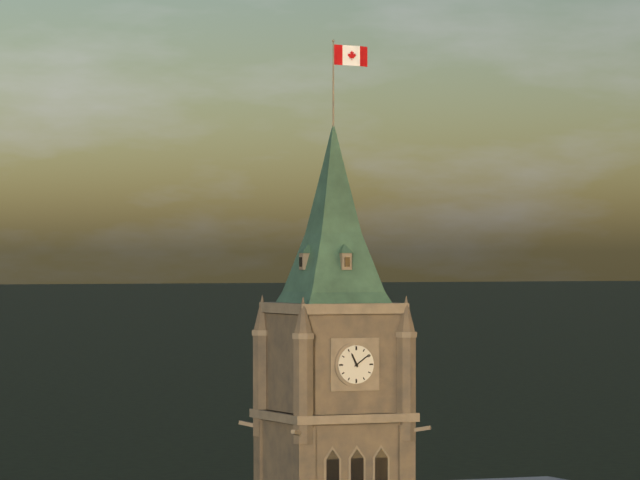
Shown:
h=11 m=9
